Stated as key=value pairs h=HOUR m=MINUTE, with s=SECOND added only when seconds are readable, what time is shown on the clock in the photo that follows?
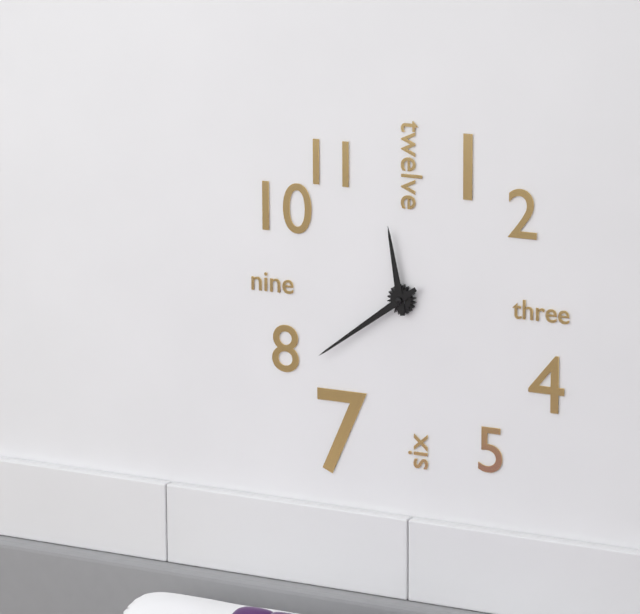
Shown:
h=11 m=39
